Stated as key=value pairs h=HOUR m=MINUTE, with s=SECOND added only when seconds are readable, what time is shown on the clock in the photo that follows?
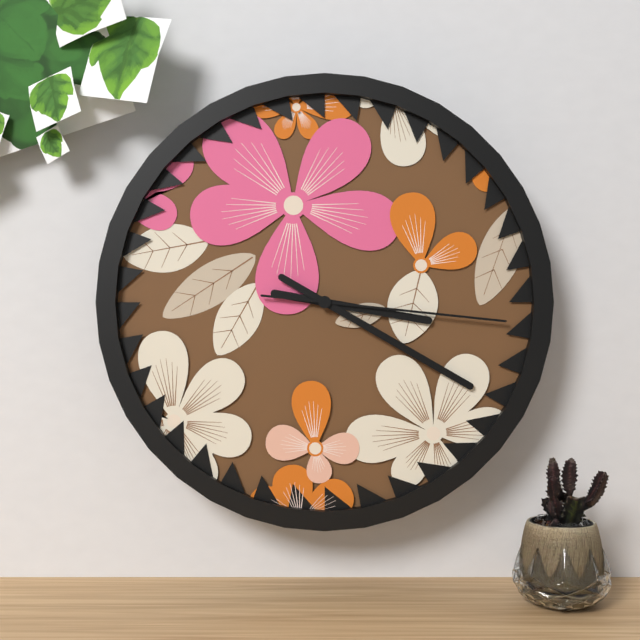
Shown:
h=3 m=20 s=16
